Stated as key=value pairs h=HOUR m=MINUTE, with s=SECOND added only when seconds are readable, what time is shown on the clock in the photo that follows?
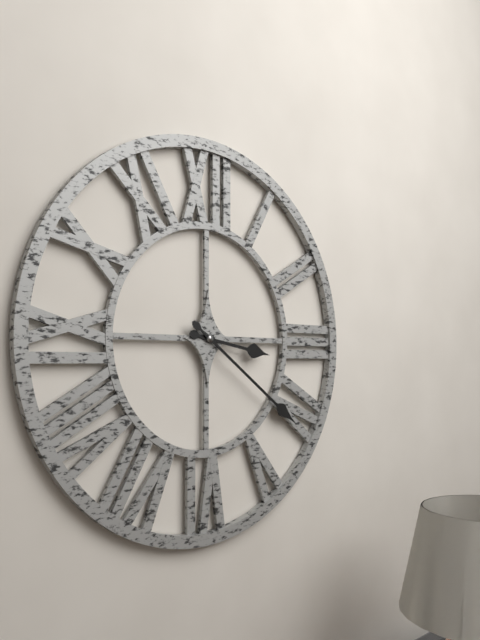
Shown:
h=3 m=21
